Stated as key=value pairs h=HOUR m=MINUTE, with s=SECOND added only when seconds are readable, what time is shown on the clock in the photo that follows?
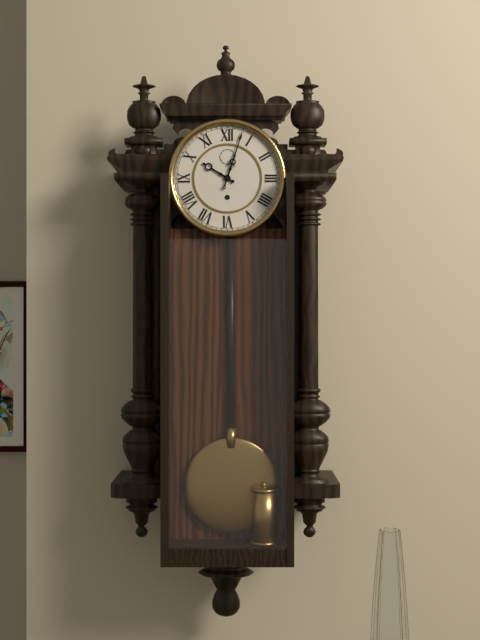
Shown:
h=10 m=3
